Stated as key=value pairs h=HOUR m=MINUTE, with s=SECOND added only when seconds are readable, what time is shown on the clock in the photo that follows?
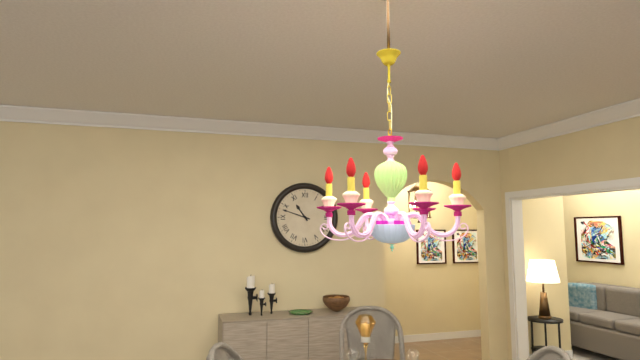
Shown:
h=10 m=48
